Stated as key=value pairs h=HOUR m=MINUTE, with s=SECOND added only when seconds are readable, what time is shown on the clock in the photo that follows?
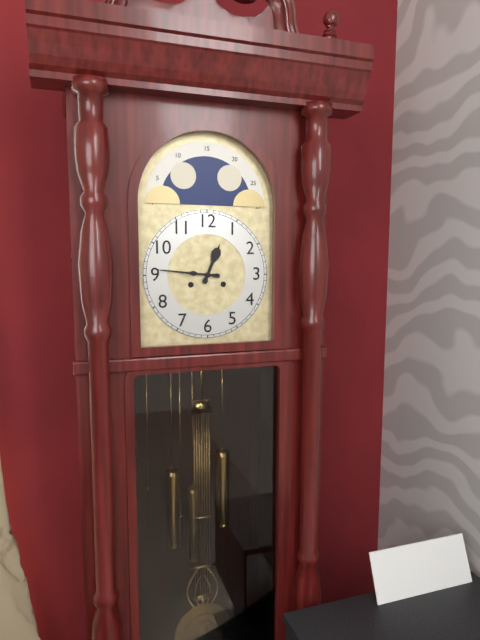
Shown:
h=12 m=46
